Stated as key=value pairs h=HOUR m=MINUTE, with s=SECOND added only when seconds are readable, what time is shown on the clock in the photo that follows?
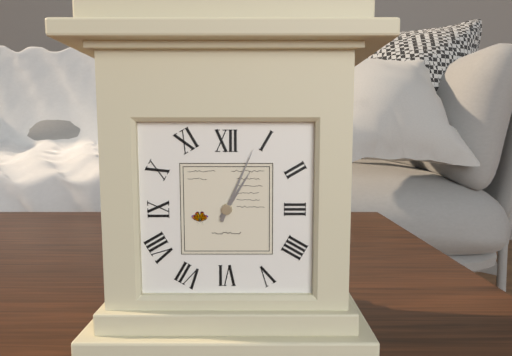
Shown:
h=1 m=4
